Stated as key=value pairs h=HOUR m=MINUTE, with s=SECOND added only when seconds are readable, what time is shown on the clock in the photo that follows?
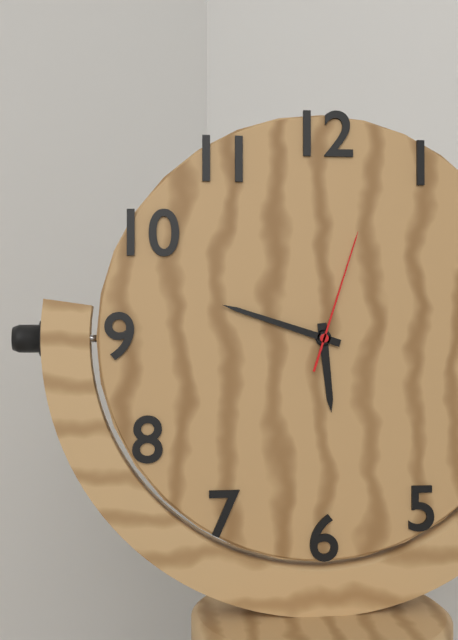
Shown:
h=5 m=48 s=3
